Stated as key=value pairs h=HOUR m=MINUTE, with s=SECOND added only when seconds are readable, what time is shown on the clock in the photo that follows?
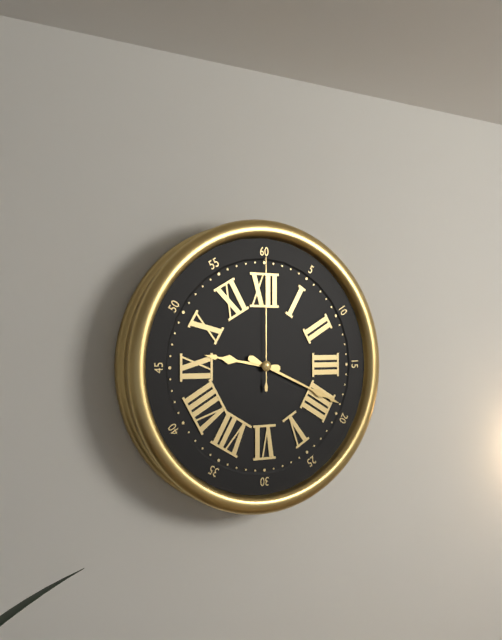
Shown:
h=9 m=19 s=0
